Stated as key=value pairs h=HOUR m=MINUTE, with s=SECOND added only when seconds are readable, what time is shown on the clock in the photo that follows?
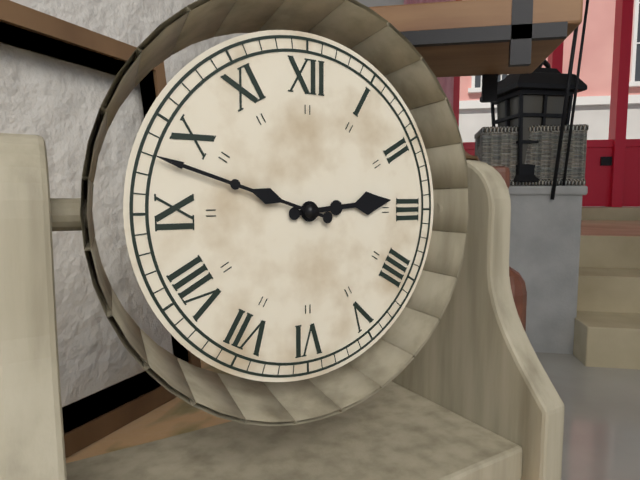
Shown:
h=2 m=48
